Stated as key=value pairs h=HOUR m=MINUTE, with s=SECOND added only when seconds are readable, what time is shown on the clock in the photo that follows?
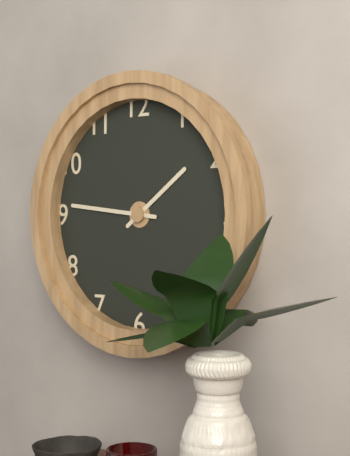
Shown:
h=1 m=46
